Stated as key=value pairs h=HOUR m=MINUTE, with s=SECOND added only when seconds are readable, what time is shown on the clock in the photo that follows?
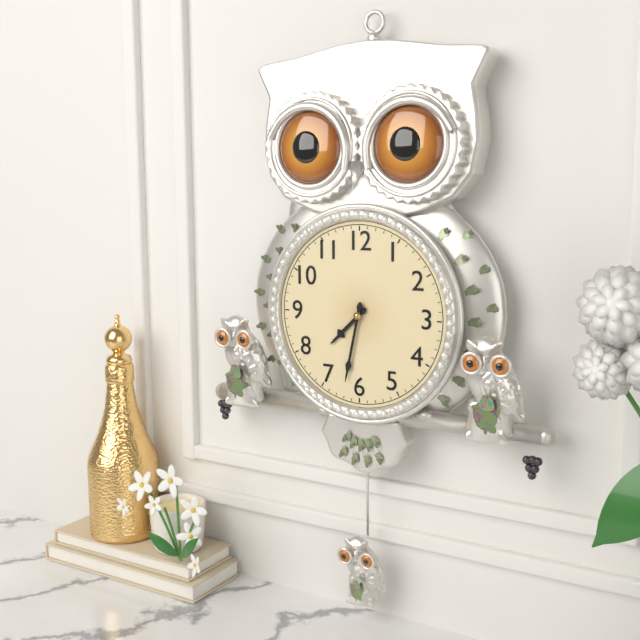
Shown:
h=7 m=32
